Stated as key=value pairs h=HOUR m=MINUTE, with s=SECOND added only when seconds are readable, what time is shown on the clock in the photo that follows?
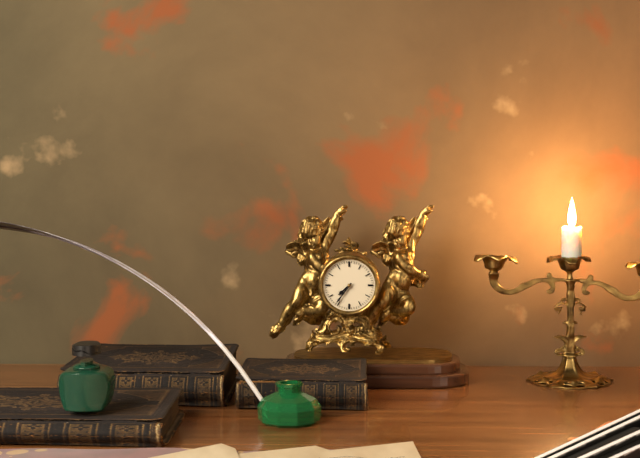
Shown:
h=7 m=36
